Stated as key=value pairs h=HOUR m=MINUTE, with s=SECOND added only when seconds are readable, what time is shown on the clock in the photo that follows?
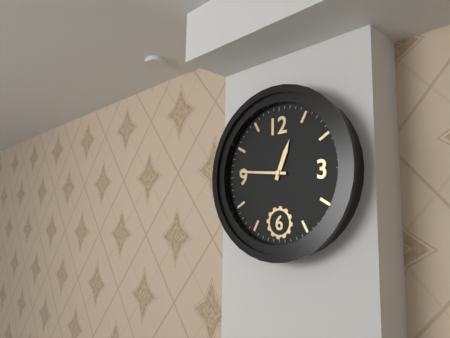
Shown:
h=12 m=46
